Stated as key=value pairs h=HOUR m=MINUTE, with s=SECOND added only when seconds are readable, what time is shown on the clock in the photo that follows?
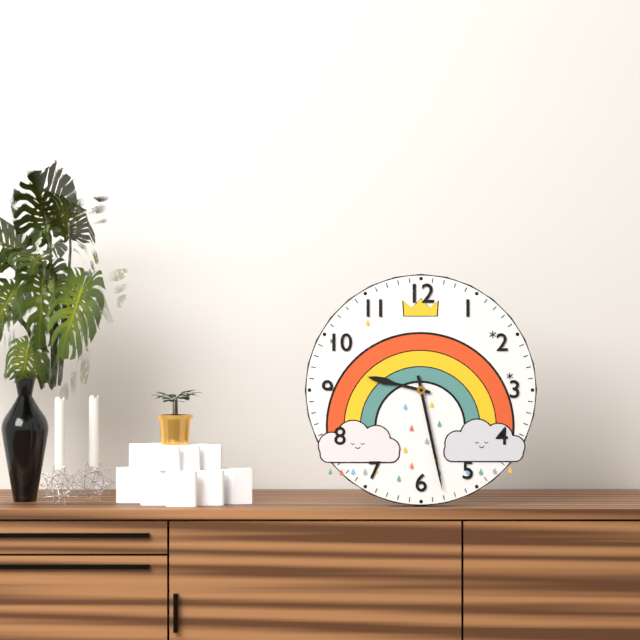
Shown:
h=9 m=28
